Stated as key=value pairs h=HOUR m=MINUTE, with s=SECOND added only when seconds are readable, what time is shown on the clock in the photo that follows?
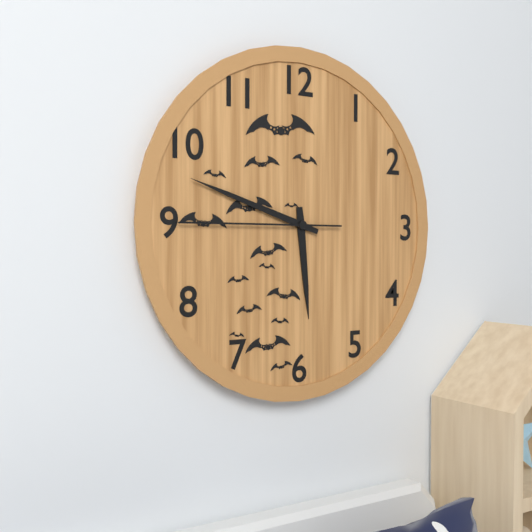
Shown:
h=5 m=48 s=45
